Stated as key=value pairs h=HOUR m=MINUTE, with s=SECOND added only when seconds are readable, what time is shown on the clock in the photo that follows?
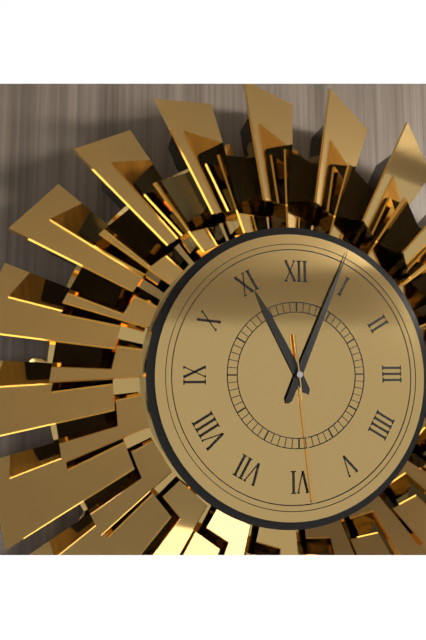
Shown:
h=11 m=4 s=29
